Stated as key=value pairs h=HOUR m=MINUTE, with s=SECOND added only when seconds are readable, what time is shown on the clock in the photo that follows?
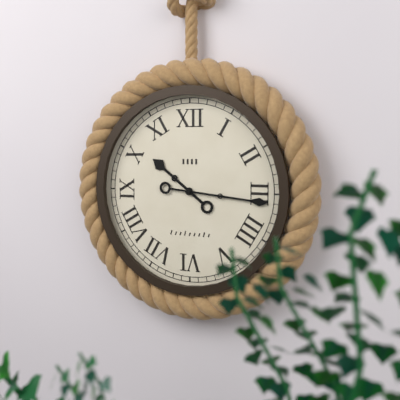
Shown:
h=10 m=16
